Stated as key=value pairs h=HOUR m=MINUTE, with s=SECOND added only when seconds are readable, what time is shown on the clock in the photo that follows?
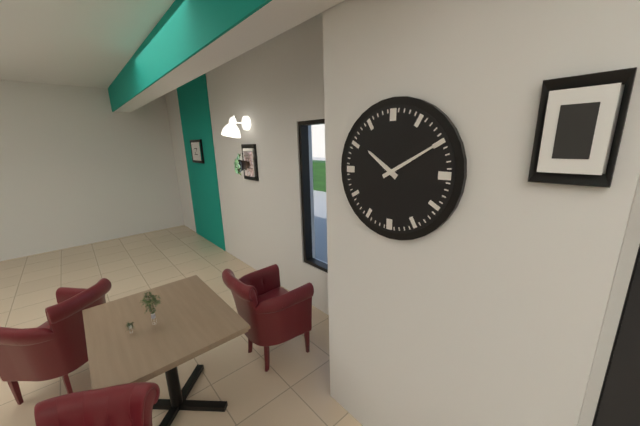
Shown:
h=10 m=10
